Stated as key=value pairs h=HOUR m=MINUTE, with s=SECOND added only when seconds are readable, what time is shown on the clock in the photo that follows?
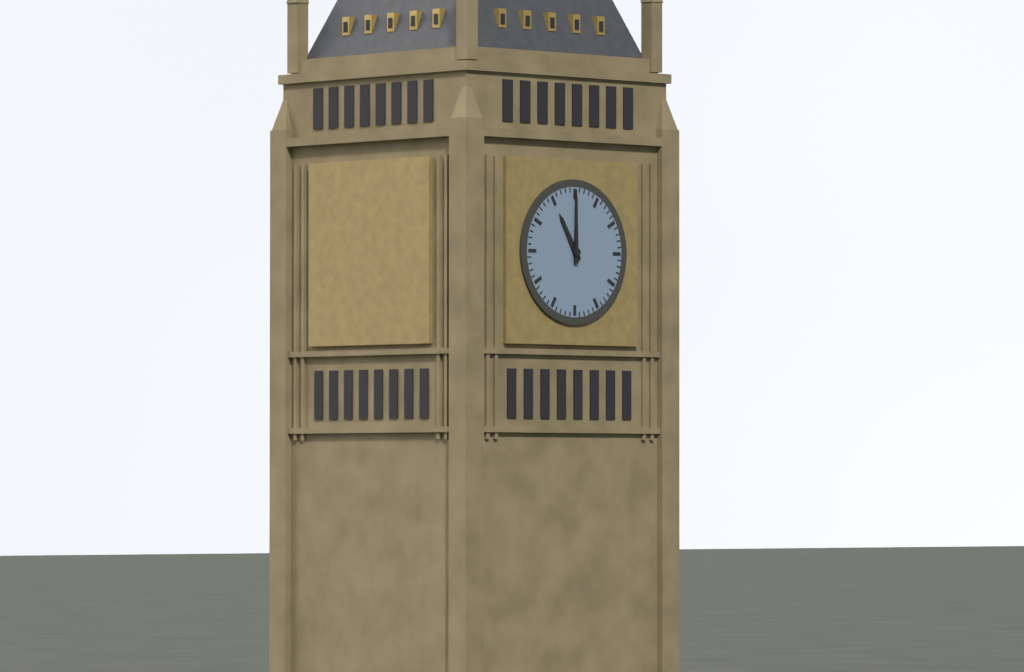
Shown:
h=11 m=0
